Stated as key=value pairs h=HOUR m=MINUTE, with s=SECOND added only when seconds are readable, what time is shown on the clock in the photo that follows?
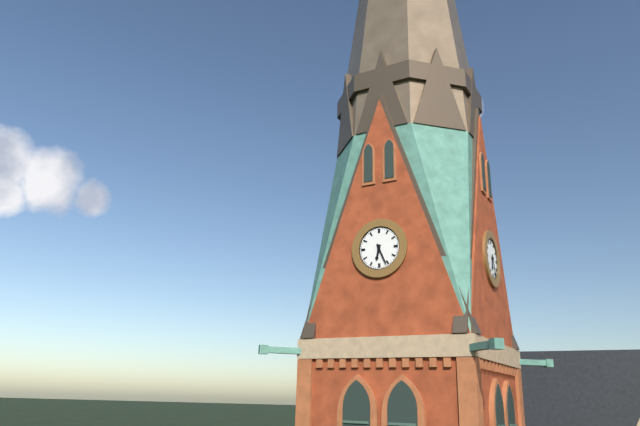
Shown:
h=6 m=26
